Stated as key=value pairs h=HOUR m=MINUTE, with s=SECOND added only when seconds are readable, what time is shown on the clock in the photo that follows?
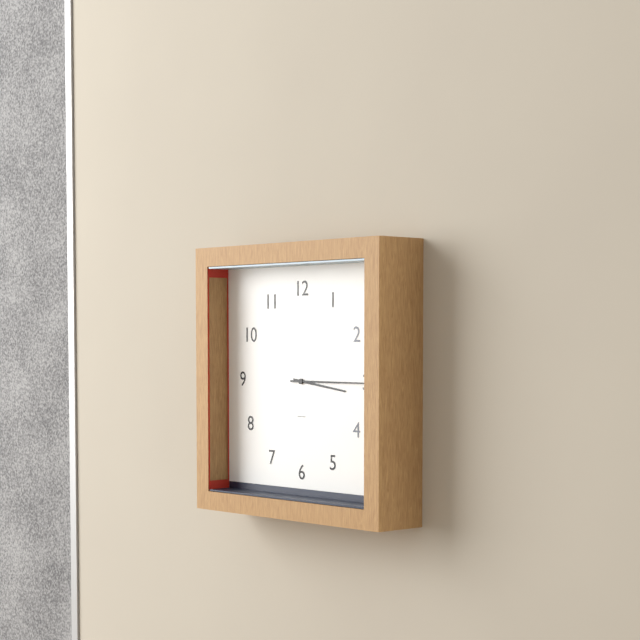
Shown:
h=3 m=15
